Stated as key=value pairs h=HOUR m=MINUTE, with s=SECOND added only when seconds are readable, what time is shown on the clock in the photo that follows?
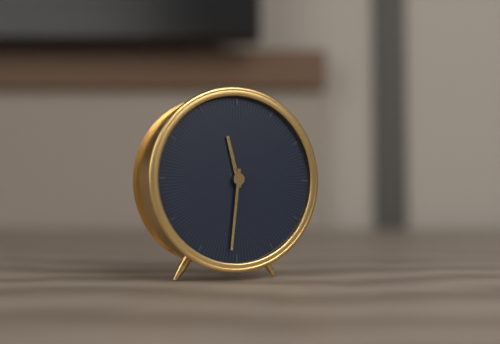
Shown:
h=11 m=31
